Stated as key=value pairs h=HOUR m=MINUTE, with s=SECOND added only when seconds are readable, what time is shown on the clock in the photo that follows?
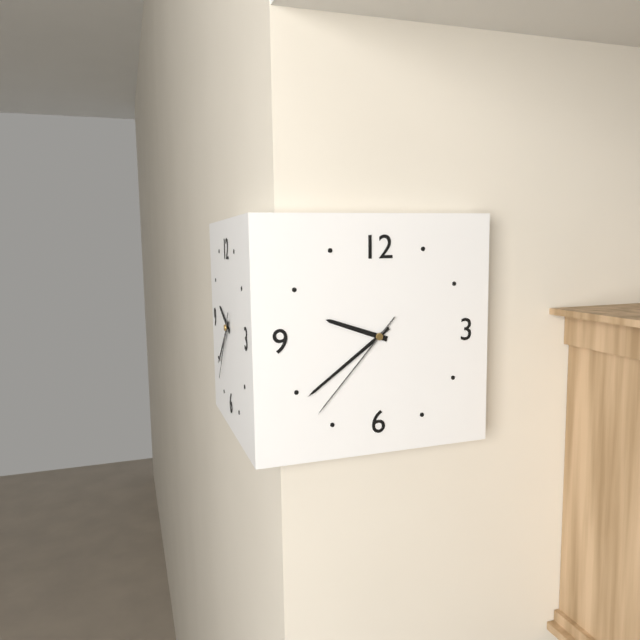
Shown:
h=9 m=39 s=37
